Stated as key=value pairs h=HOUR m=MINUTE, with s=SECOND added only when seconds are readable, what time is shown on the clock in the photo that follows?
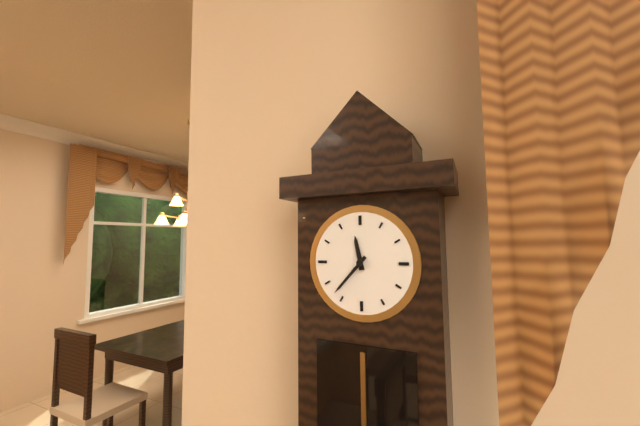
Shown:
h=11 m=37
